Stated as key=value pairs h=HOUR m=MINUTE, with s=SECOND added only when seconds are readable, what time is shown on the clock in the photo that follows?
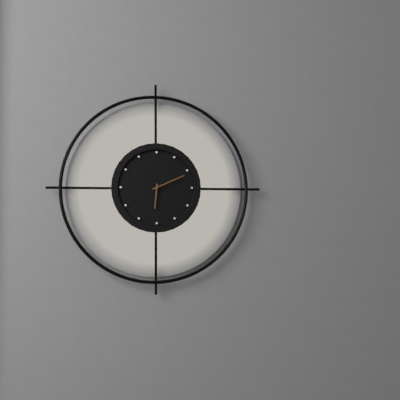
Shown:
h=6 m=11
